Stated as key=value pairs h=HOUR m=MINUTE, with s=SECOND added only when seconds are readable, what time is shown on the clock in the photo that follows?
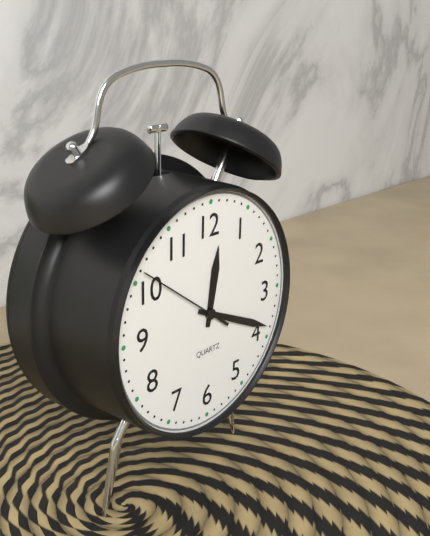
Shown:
h=12 m=19 s=51
